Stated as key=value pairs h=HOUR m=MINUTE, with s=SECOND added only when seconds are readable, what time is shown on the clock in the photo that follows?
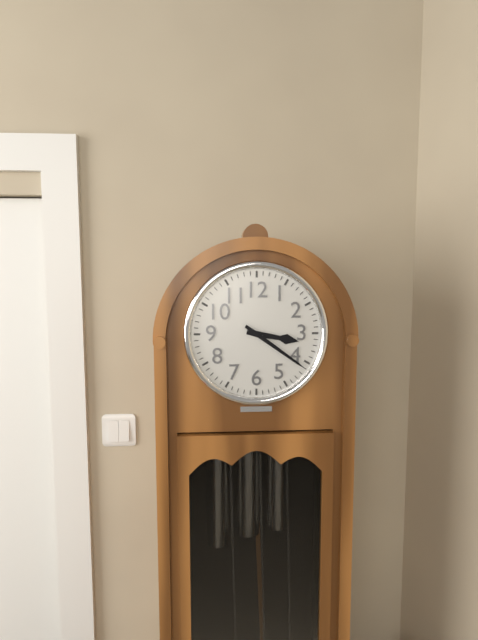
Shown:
h=3 m=21
